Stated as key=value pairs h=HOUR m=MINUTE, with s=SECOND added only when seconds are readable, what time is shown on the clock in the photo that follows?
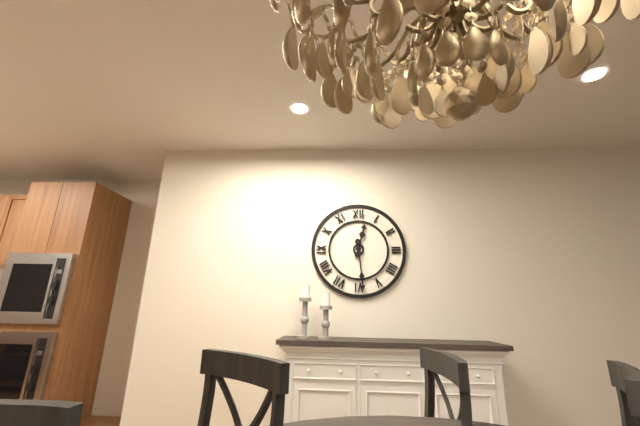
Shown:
h=12 m=29
